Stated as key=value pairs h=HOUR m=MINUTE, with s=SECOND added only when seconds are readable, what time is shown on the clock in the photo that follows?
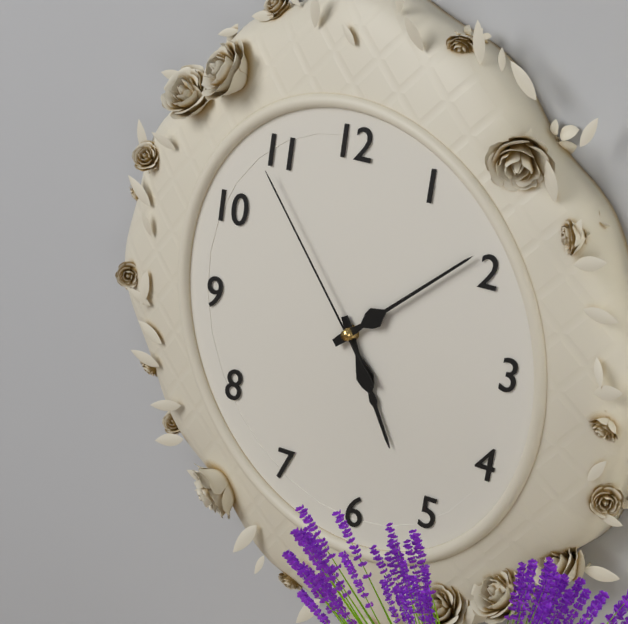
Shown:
h=5 m=9 s=54
